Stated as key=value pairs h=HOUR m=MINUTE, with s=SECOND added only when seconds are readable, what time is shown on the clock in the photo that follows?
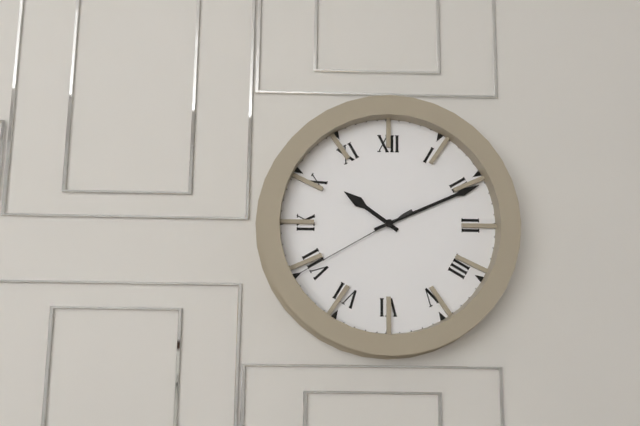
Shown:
h=10 m=11 s=40
